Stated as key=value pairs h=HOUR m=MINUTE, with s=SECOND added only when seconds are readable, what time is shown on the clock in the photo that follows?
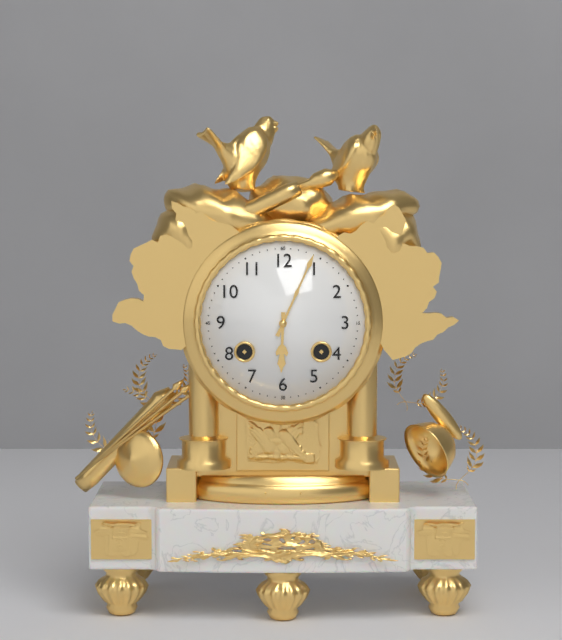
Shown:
h=6 m=4
